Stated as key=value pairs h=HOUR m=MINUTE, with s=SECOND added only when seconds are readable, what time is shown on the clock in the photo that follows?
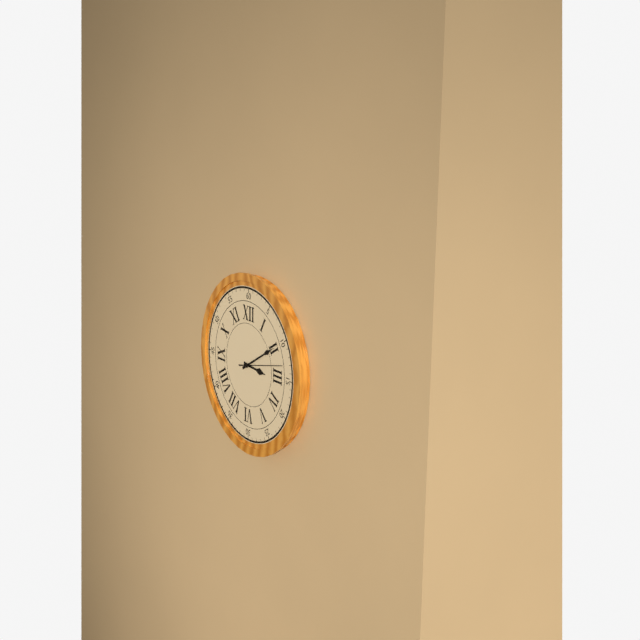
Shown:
h=3 m=10
